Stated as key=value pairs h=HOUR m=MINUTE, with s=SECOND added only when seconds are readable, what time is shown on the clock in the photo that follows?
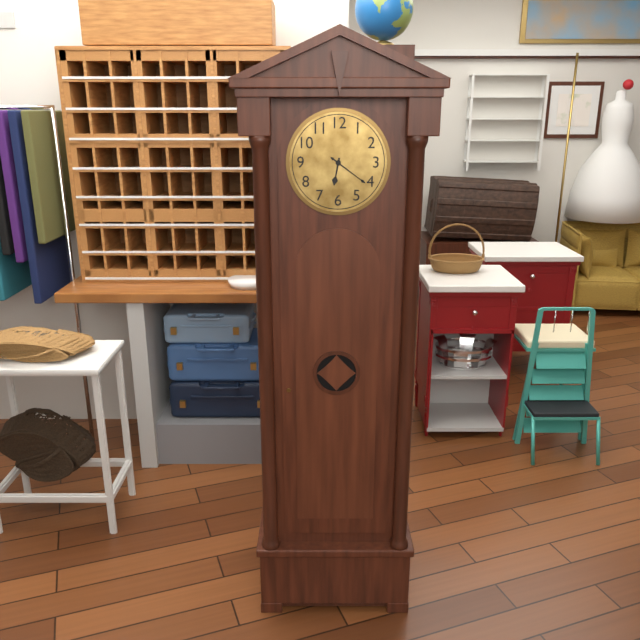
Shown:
h=6 m=21
